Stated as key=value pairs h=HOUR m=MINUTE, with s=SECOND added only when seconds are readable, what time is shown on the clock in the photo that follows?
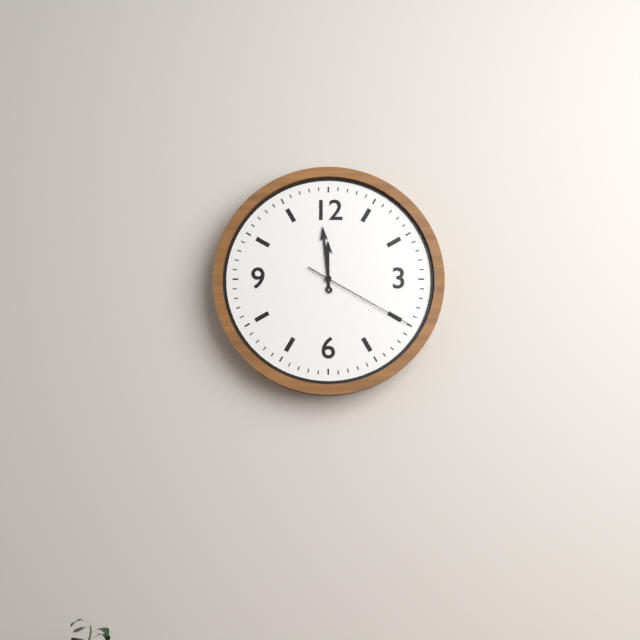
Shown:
h=11 m=59 s=20
